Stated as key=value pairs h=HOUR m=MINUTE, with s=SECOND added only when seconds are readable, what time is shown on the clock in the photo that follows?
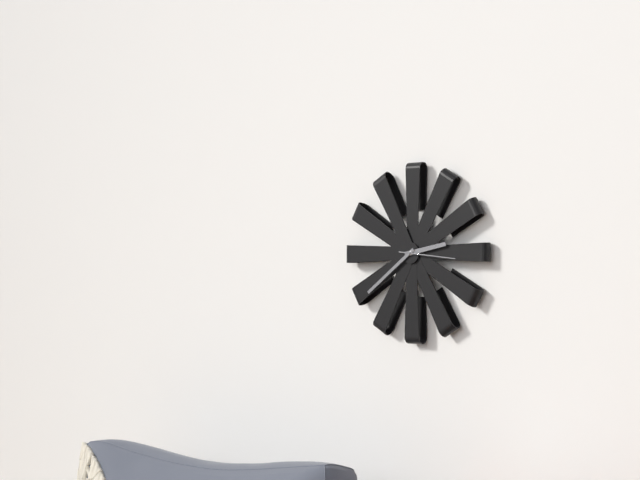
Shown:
h=2 m=39 s=16
